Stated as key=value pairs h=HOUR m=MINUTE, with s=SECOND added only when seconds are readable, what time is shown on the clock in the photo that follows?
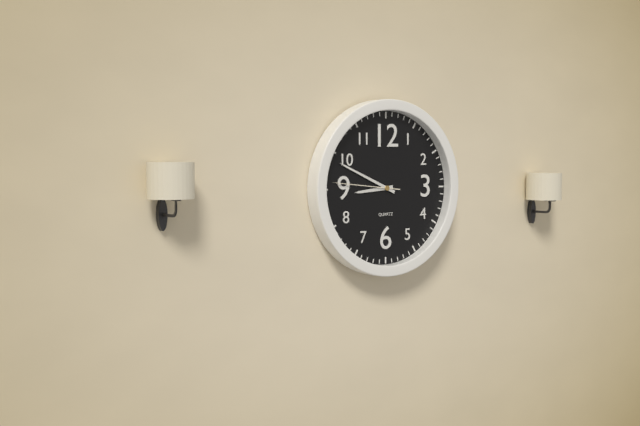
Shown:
h=8 m=49 s=46
